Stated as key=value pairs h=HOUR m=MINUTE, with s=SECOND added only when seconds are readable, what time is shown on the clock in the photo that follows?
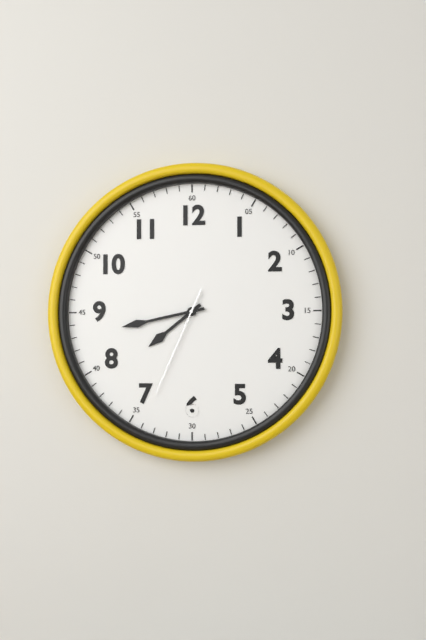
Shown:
h=7 m=43 s=34
